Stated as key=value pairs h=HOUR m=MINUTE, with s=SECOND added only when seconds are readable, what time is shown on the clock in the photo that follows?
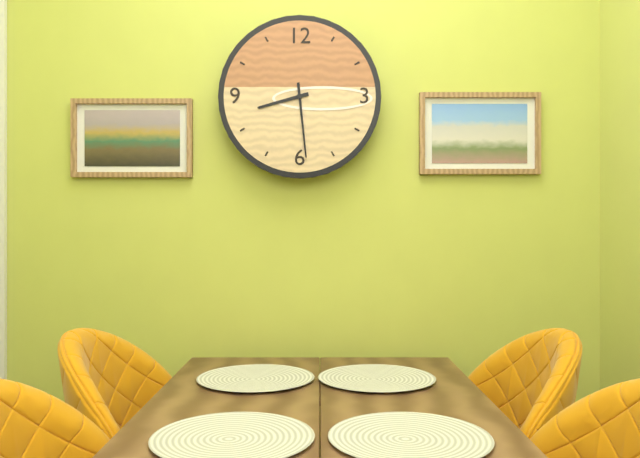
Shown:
h=8 m=29
